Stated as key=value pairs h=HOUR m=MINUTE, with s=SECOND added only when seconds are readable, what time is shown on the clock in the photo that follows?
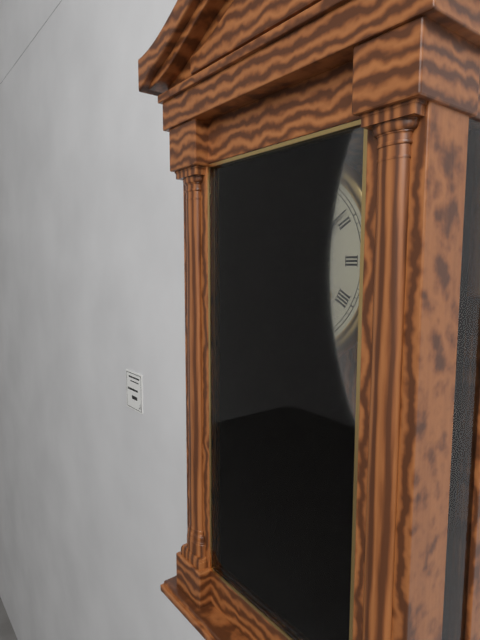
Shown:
h=5 m=9
